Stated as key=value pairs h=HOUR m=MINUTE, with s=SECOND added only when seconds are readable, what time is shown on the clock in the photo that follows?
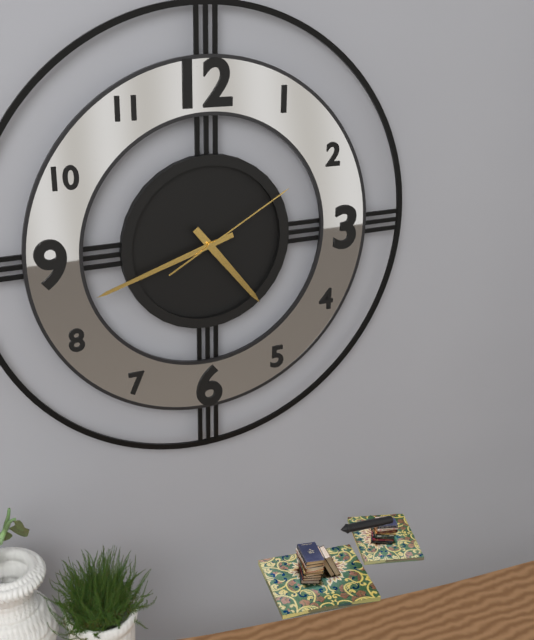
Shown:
h=4 m=42 s=10
